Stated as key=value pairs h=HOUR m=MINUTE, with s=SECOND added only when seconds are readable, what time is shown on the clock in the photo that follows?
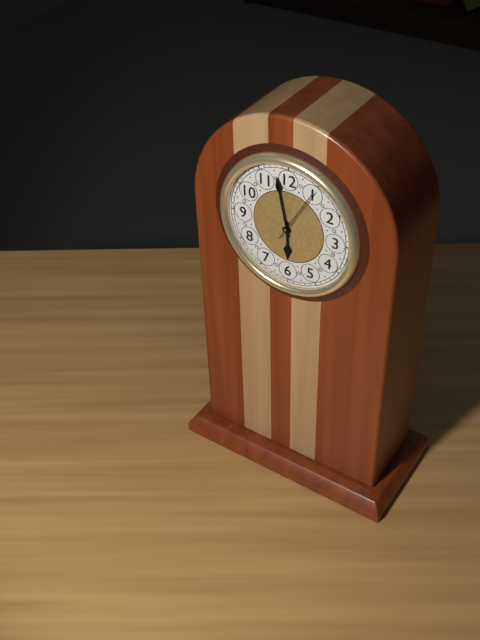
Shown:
h=5 m=58 s=5
